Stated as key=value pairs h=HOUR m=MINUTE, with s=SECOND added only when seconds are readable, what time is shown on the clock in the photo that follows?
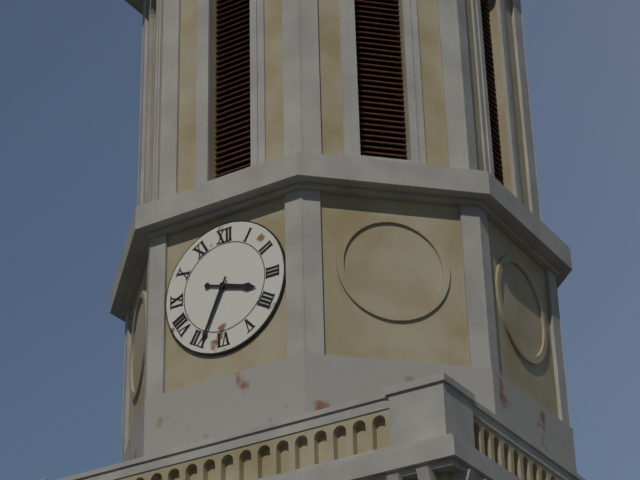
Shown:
h=3 m=34
